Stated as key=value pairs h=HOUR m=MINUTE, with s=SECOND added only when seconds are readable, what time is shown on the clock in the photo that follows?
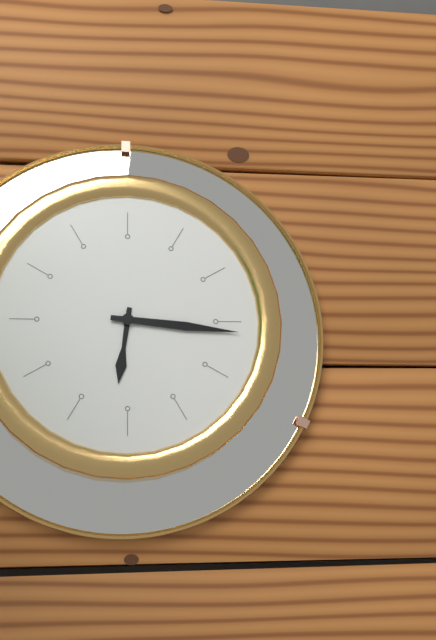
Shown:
h=6 m=16
